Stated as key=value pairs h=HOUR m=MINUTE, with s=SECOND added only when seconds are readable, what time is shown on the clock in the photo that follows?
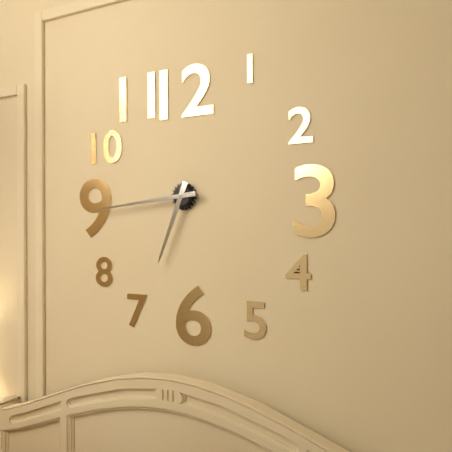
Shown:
h=6 m=44
